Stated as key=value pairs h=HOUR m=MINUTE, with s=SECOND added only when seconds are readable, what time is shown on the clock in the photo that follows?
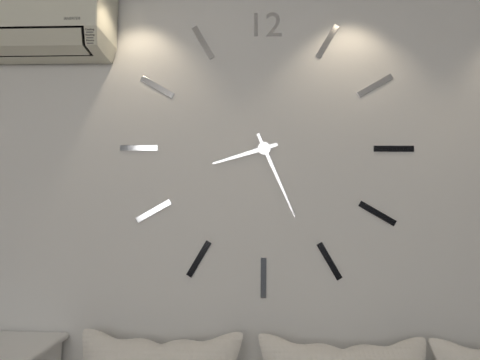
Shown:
h=8 m=26
